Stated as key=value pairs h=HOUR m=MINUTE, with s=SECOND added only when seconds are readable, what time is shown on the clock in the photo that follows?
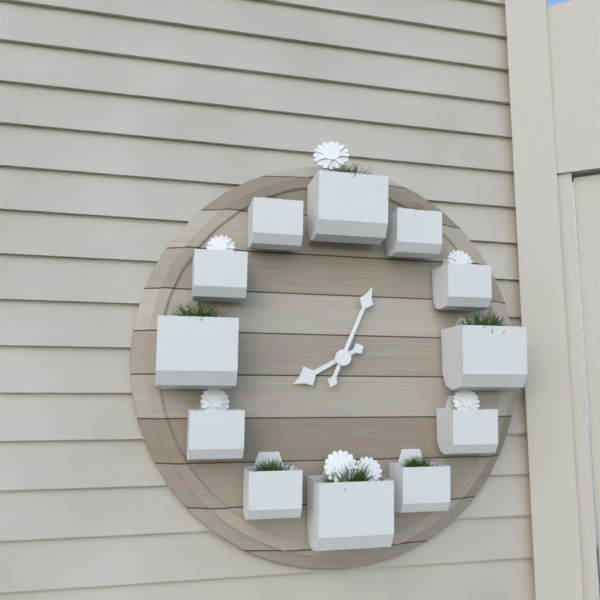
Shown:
h=8 m=4
